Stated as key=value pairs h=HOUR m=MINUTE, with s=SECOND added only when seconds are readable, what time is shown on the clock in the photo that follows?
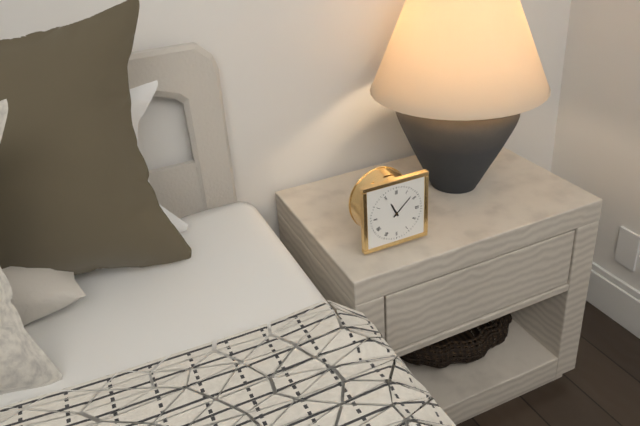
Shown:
h=11 m=8
